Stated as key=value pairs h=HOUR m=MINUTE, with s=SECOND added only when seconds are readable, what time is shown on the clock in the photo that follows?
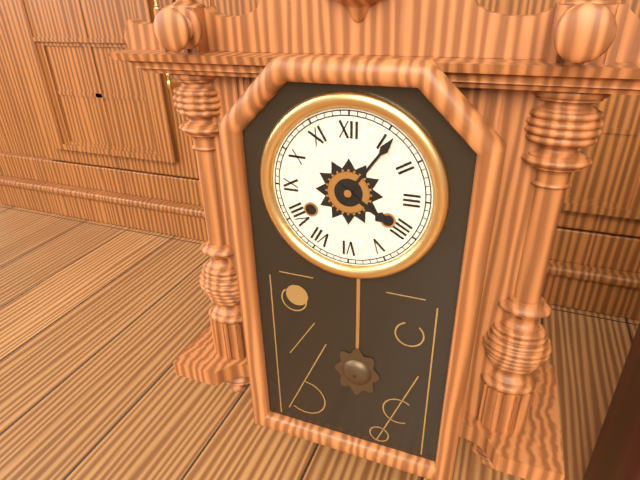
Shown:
h=4 m=6
